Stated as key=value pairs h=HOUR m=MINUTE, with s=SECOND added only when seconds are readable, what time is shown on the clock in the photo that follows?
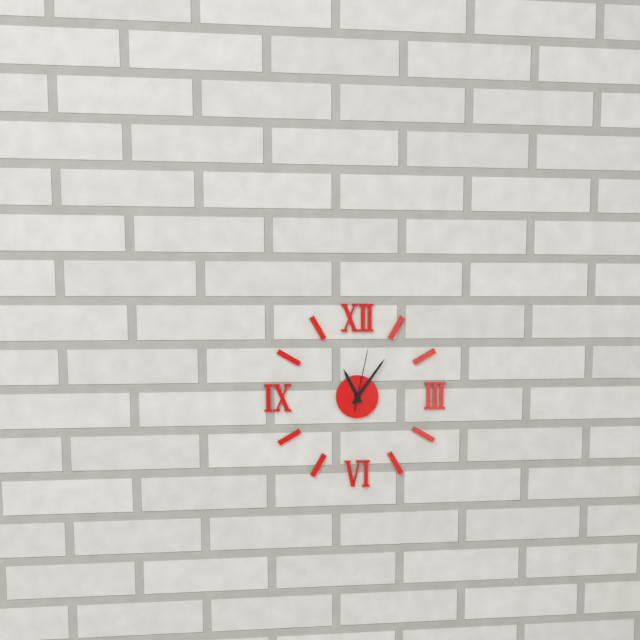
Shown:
h=11 m=6 s=2
